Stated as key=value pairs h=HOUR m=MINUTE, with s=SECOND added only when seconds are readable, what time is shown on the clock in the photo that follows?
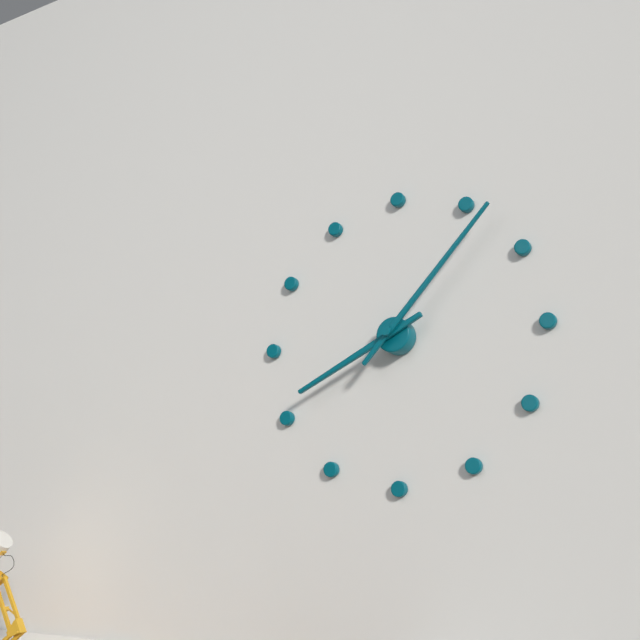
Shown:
h=8 m=7
